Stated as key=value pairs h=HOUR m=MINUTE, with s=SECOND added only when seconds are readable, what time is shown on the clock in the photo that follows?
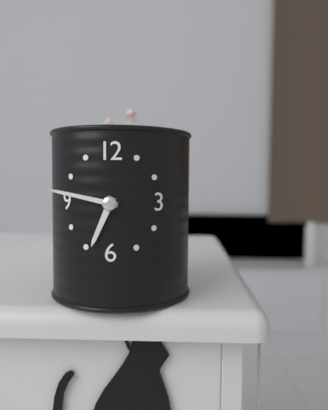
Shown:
h=6 m=47
